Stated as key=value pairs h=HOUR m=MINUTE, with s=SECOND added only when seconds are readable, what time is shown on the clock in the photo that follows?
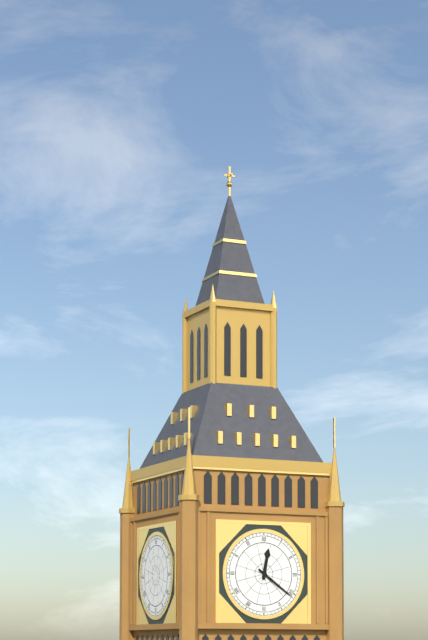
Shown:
h=12 m=21
